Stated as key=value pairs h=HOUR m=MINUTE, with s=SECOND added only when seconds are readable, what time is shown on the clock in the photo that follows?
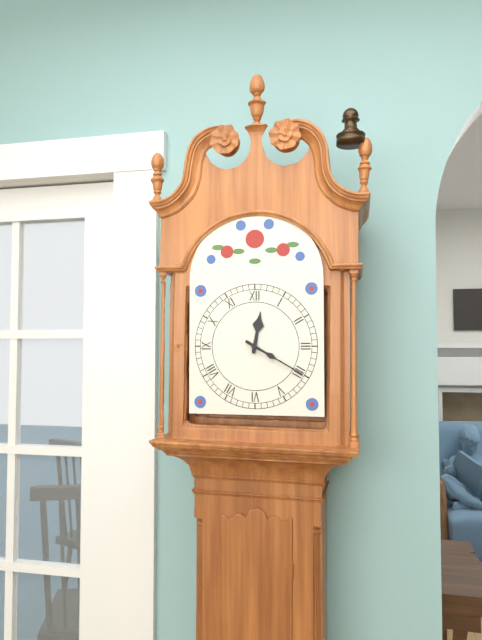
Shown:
h=12 m=20
